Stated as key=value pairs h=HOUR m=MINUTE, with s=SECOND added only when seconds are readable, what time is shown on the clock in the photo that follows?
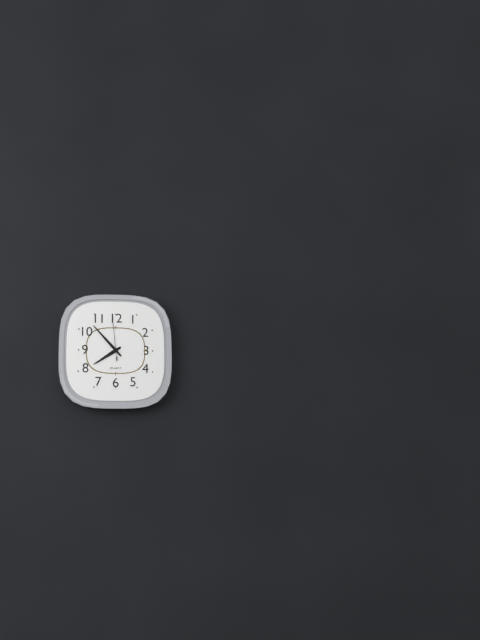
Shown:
h=7 m=53
